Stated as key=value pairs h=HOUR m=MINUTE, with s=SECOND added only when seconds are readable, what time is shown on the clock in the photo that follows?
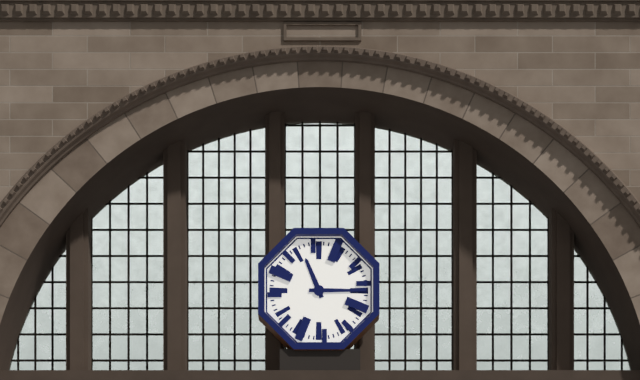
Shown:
h=11 m=15
